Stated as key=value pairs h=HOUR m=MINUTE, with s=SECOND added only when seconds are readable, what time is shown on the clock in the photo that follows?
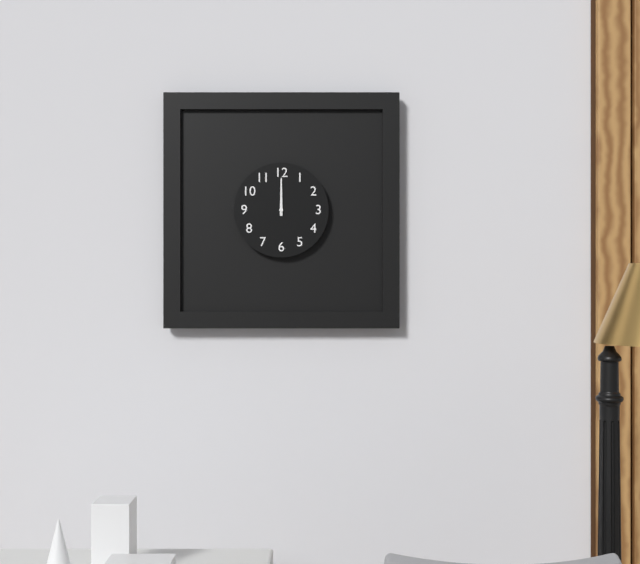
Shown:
h=12 m=0
